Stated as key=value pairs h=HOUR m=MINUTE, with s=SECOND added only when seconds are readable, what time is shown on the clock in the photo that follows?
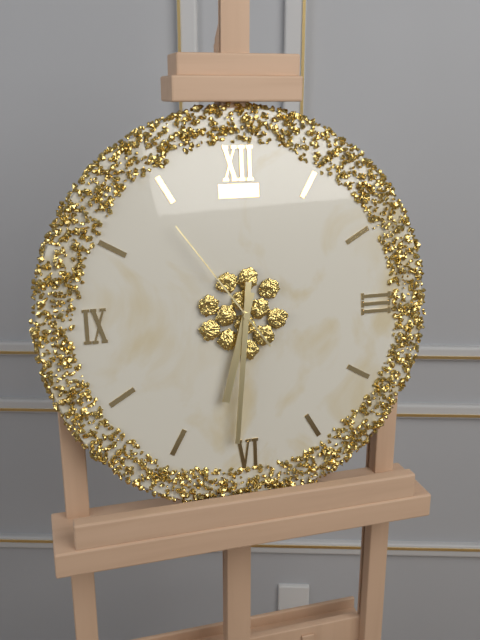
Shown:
h=6 m=31 s=54
